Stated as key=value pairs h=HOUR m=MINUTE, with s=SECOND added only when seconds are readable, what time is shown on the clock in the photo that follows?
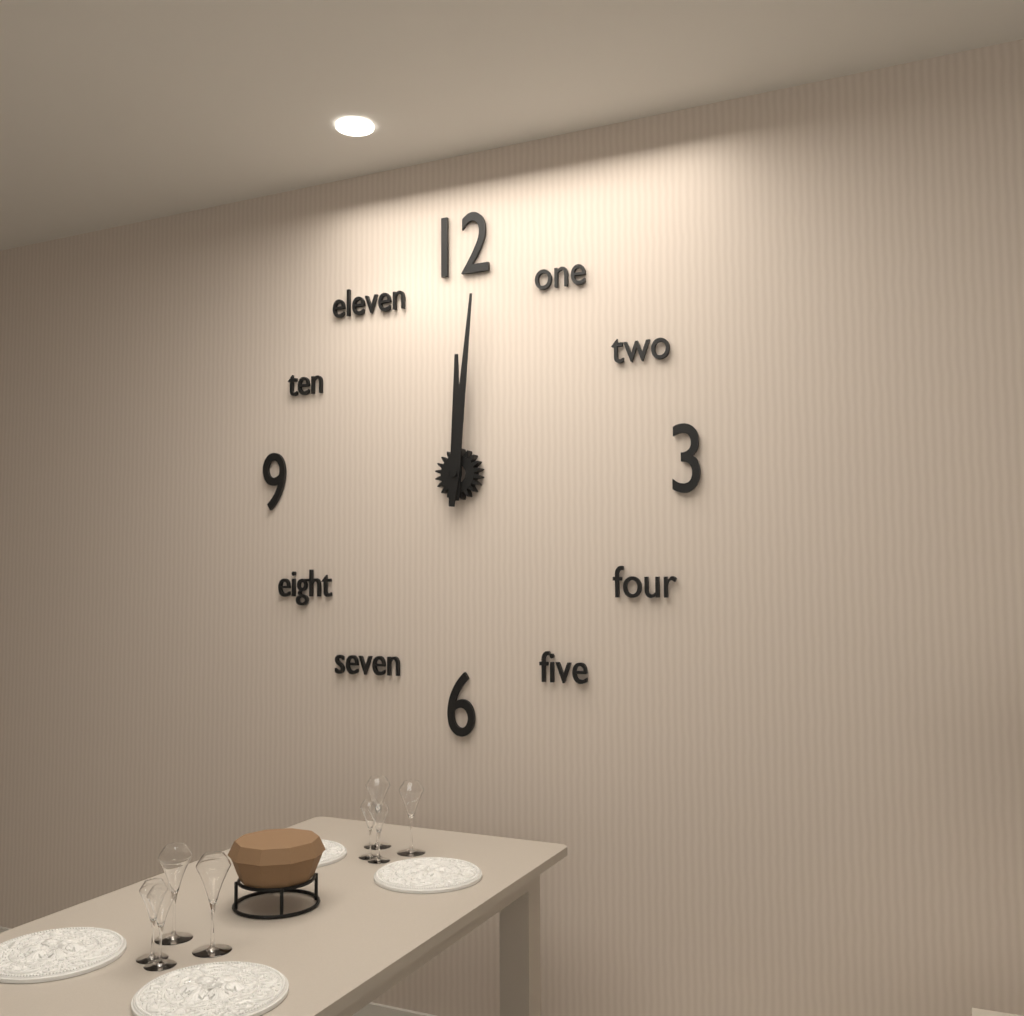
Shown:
h=12 m=1
